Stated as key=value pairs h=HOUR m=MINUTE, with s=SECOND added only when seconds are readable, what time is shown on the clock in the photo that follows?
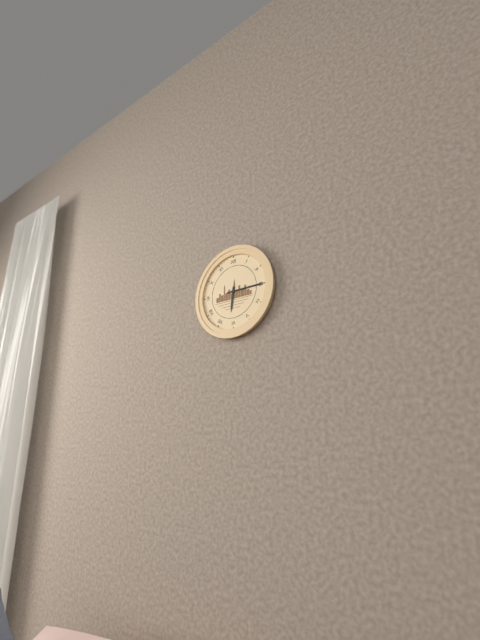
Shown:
h=6 m=15
